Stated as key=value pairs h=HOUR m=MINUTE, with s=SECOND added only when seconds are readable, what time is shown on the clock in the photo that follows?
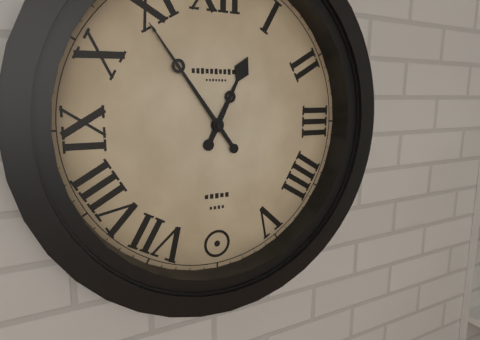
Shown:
h=12 m=54
